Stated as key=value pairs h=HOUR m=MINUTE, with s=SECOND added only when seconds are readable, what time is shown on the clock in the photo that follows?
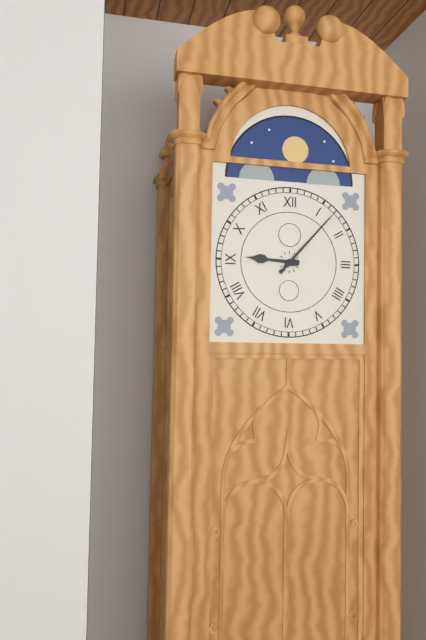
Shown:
h=9 m=7
